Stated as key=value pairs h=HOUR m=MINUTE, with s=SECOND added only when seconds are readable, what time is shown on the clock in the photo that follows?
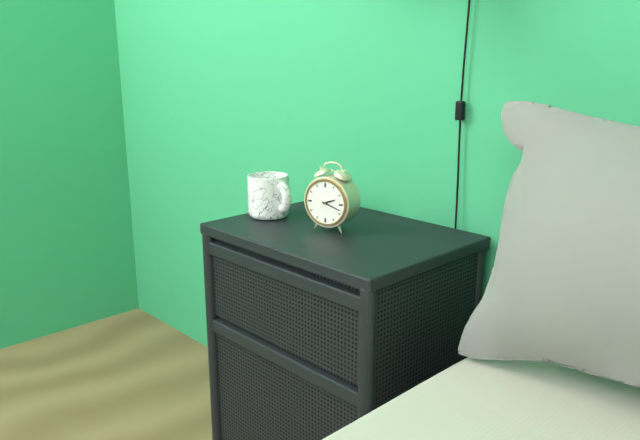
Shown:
h=2 m=18
